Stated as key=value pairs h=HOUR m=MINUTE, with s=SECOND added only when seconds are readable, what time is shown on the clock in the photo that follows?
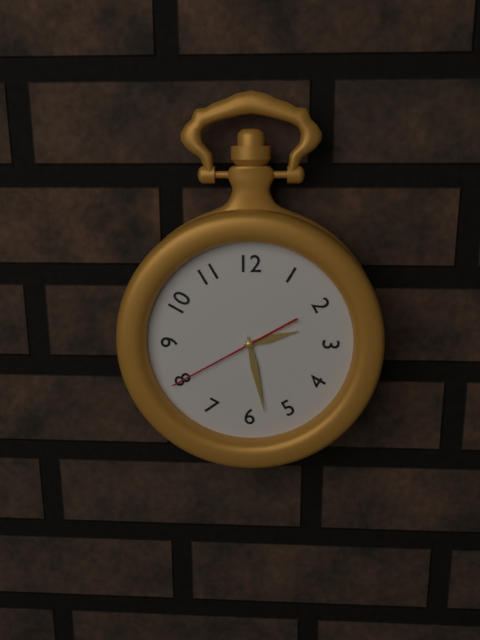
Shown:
h=2 m=28 s=40
